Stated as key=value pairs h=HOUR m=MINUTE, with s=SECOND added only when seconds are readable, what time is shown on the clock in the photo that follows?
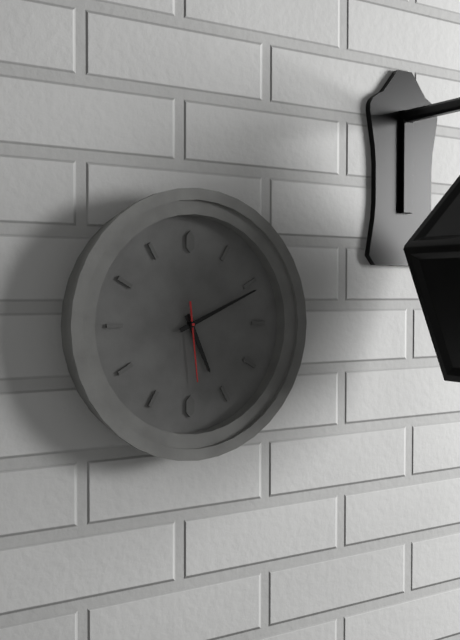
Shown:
h=5 m=11 s=29
